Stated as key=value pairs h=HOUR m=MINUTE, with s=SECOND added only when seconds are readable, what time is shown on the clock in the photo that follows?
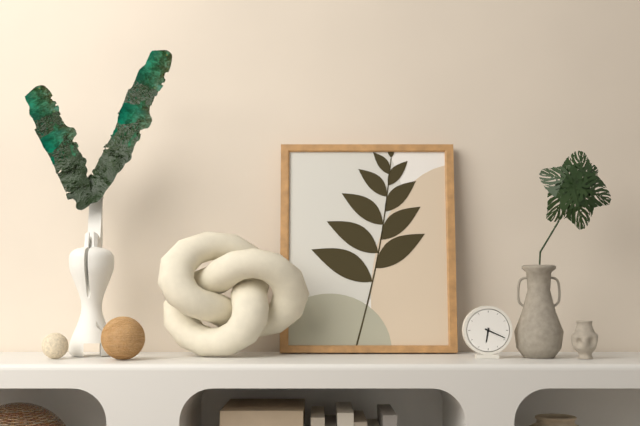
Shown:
h=6 m=19
